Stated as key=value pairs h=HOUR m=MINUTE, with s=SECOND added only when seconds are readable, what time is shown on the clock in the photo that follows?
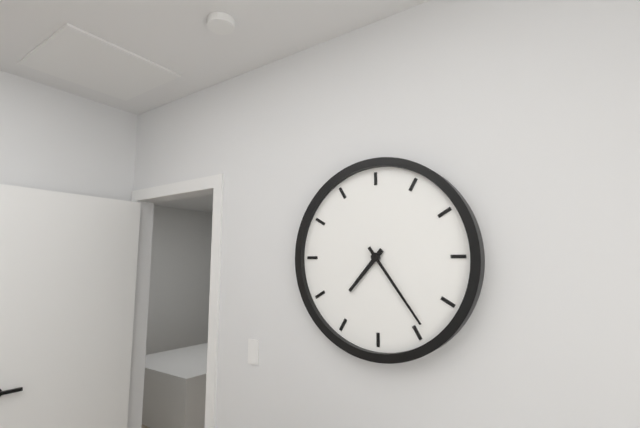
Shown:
h=7 m=24
